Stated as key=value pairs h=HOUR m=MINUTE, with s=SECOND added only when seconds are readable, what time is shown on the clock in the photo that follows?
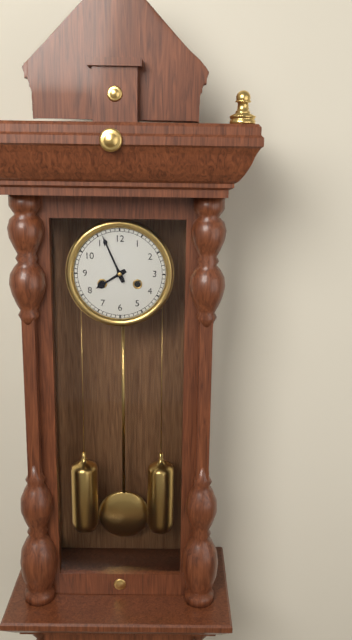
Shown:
h=7 m=56
